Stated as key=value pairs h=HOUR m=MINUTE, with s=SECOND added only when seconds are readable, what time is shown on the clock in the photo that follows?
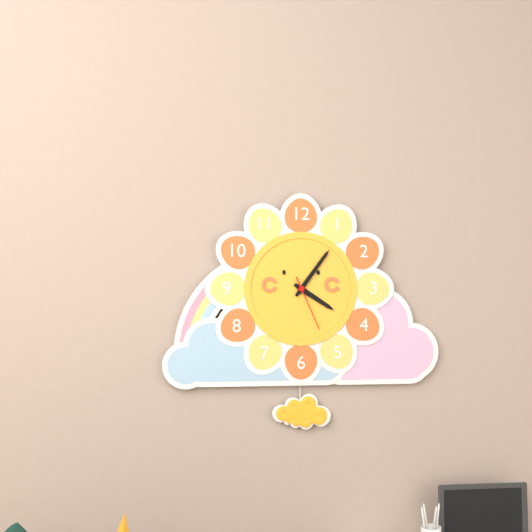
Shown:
h=4 m=6 s=26
